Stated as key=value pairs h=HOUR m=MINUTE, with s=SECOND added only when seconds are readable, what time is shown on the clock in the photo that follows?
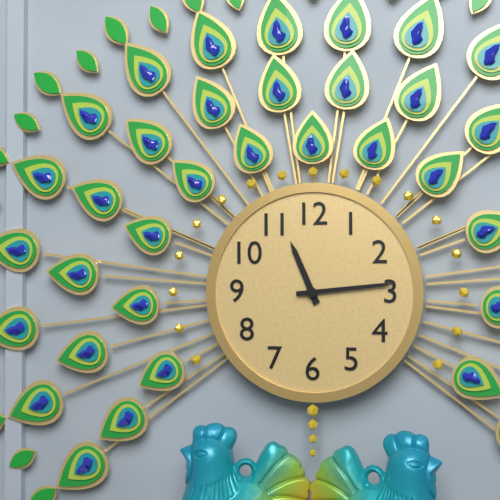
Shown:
h=11 m=14
